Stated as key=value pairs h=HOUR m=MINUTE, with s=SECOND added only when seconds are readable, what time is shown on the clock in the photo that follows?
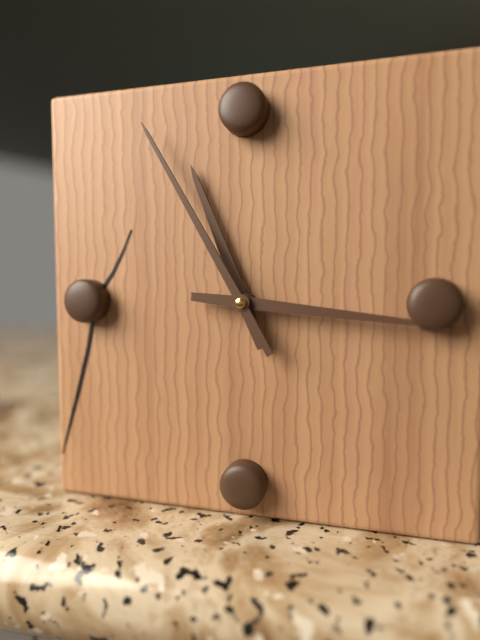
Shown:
h=11 m=16 s=55
